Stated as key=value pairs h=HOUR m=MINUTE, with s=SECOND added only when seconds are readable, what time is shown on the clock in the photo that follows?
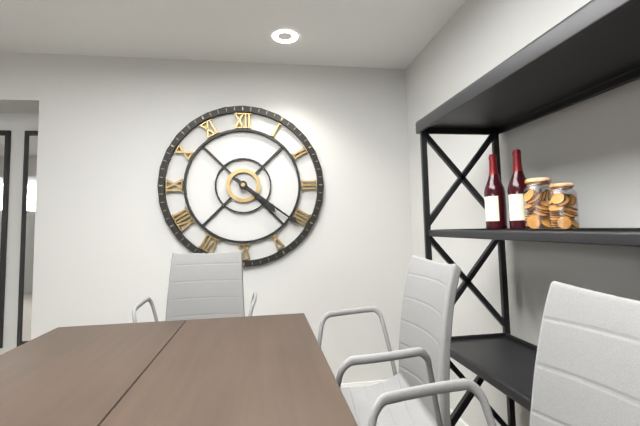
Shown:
h=4 m=21
